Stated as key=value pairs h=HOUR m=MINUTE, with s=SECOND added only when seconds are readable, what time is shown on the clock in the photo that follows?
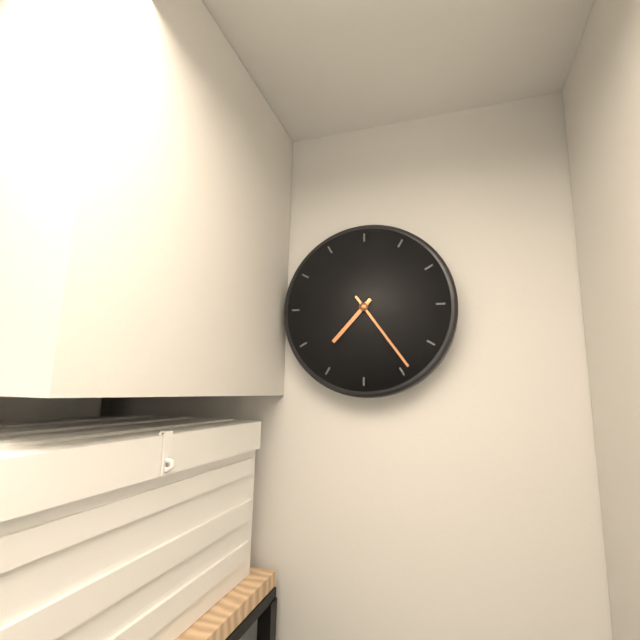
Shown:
h=7 m=24
